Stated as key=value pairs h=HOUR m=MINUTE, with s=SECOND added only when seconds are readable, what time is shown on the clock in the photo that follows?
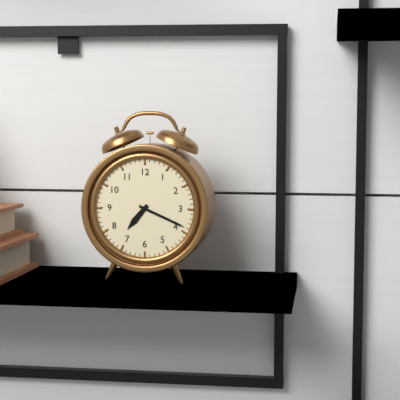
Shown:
h=7 m=19
